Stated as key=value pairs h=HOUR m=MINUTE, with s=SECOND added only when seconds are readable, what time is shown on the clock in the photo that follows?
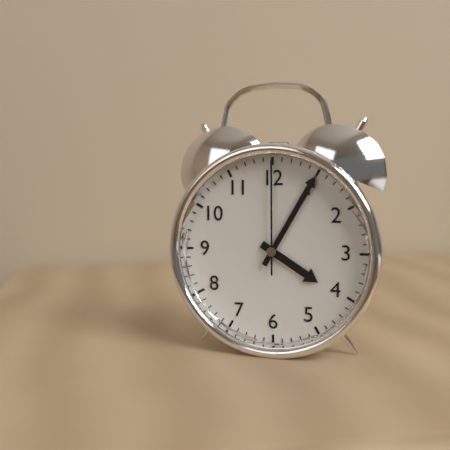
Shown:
h=4 m=5 s=0
